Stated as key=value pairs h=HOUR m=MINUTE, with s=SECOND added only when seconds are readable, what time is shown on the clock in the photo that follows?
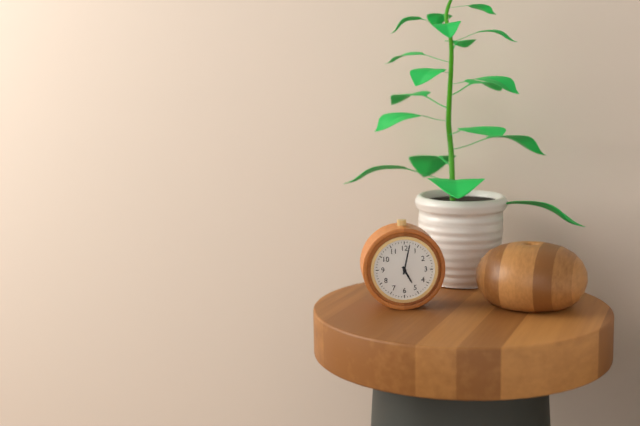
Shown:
h=5 m=2
